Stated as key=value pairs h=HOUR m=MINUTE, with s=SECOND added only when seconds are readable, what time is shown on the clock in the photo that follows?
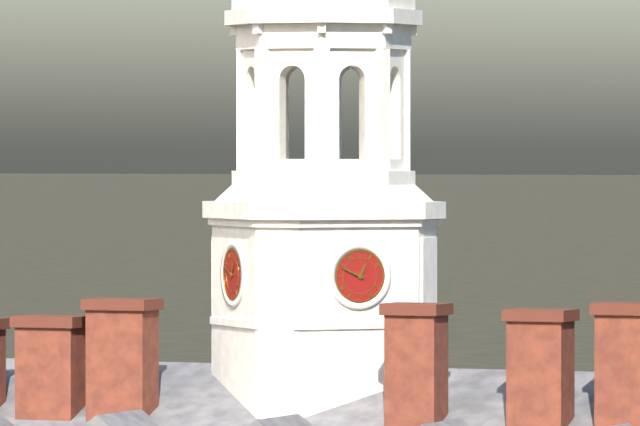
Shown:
h=12 m=49
